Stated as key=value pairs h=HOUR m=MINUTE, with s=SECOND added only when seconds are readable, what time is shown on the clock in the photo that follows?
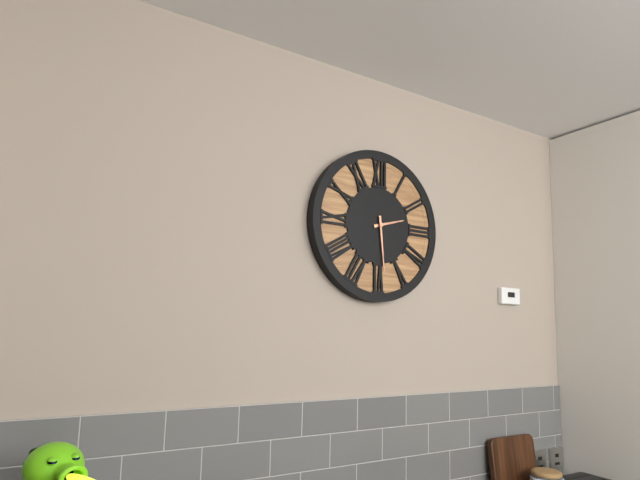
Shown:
h=2 m=29
